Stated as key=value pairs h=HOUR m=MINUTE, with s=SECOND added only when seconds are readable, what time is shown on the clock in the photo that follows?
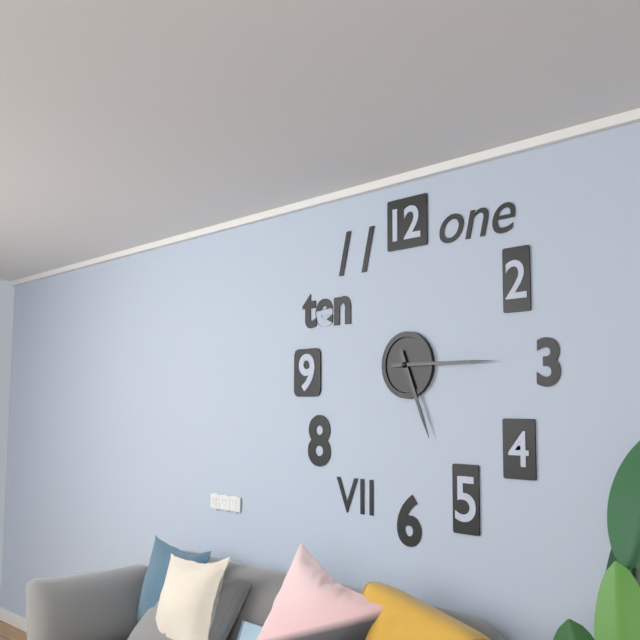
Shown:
h=5 m=15
